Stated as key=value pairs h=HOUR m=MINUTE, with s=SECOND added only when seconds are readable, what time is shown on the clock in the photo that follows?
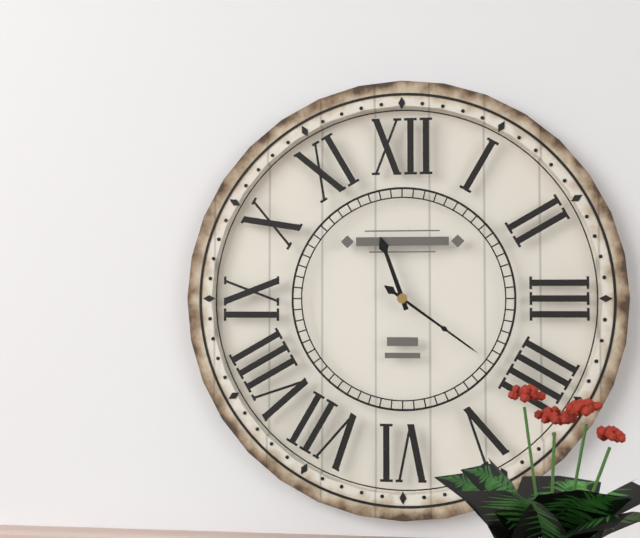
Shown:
h=11 m=21
